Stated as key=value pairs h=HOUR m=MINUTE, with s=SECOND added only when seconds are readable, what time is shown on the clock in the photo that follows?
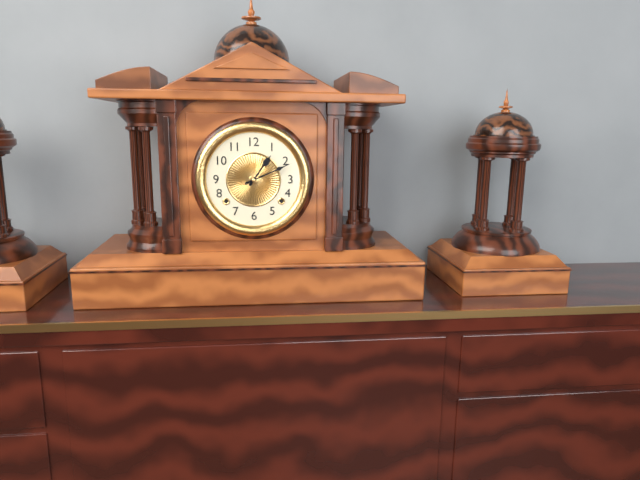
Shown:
h=1 m=11
